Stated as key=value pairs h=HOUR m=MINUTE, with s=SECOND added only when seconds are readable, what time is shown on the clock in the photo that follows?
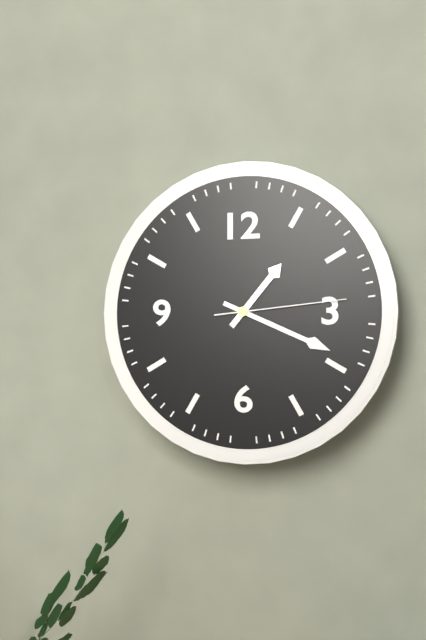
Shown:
h=1 m=19 s=14
